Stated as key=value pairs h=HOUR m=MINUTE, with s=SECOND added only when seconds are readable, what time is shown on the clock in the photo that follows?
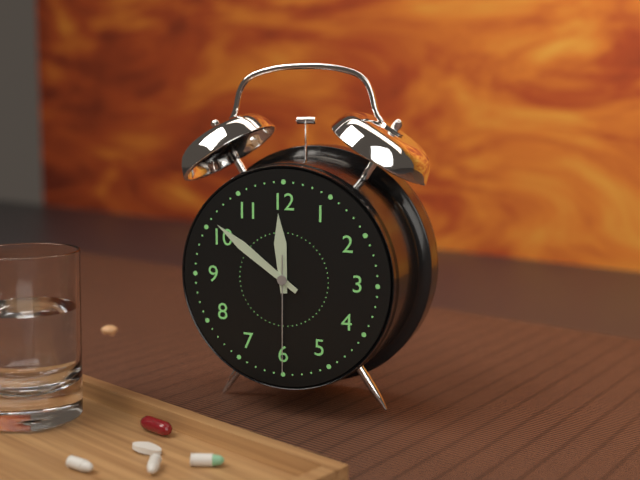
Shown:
h=11 m=51 s=30
